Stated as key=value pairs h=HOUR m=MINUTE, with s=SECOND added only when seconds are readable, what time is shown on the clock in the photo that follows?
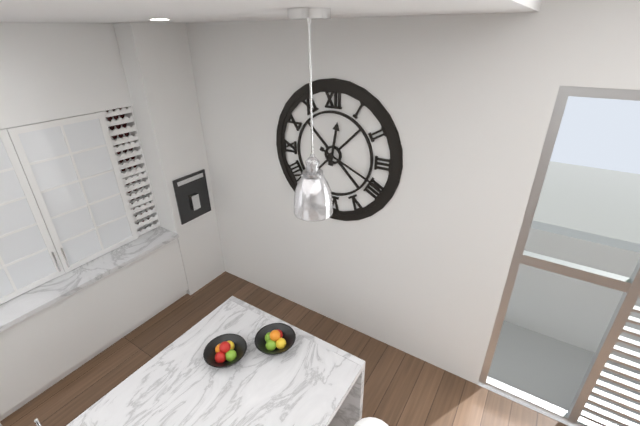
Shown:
h=12 m=19
